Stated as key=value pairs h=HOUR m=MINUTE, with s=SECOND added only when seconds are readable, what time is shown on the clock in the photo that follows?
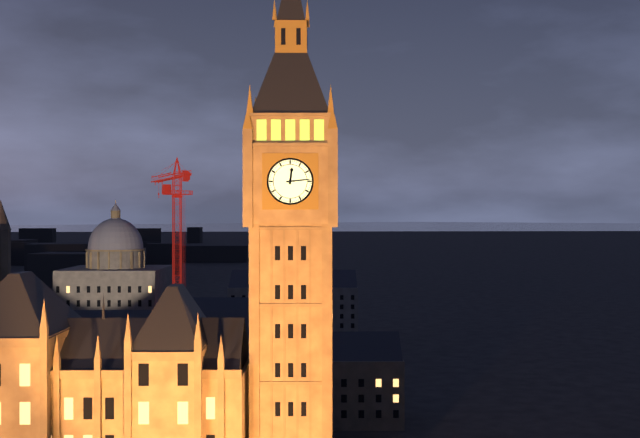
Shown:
h=12 m=14
